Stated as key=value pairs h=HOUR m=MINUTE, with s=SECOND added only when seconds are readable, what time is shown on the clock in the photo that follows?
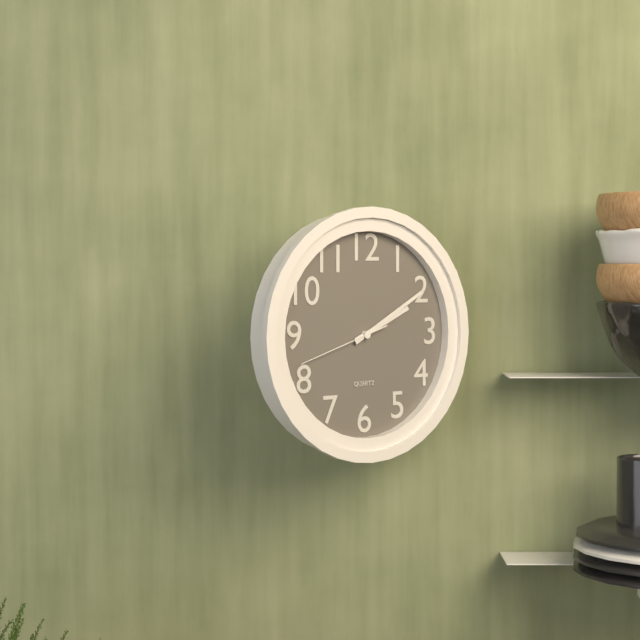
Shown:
h=2 m=10 s=42
